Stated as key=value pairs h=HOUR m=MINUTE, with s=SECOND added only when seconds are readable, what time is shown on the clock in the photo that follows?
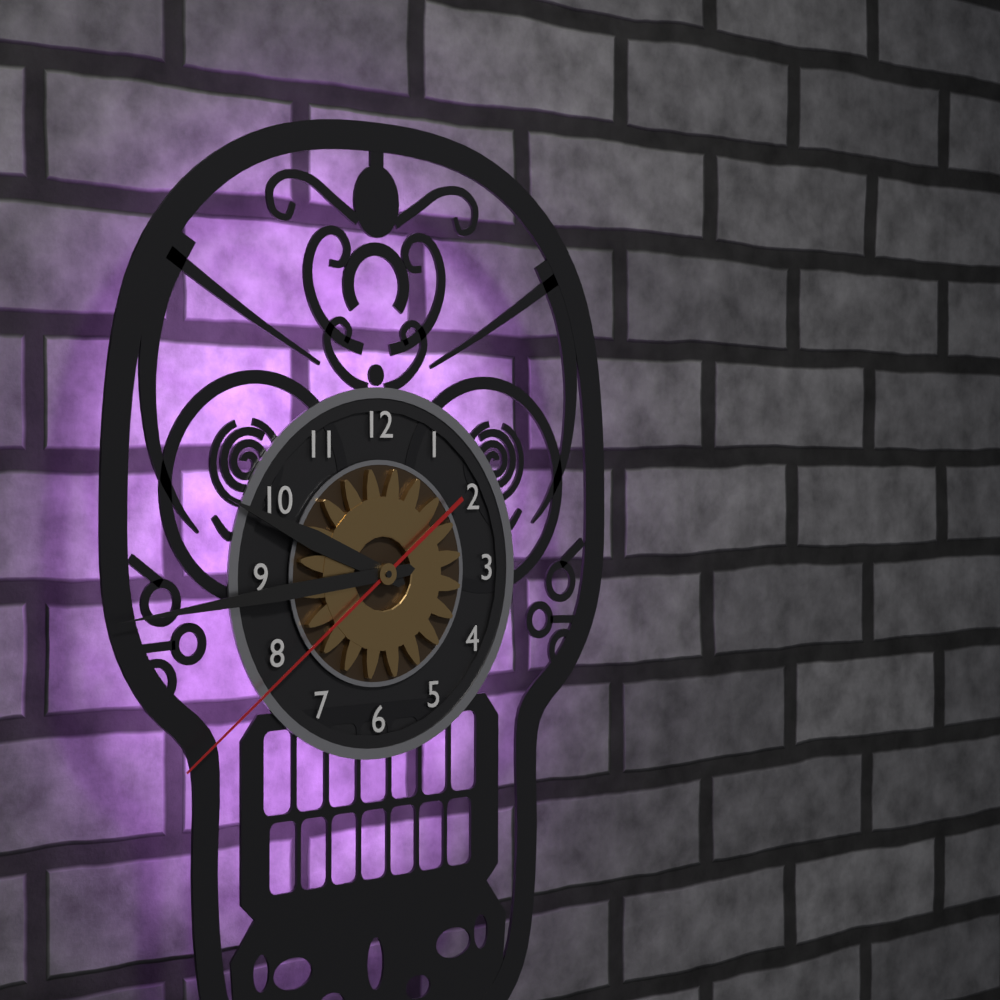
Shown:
h=9 m=44 s=39
